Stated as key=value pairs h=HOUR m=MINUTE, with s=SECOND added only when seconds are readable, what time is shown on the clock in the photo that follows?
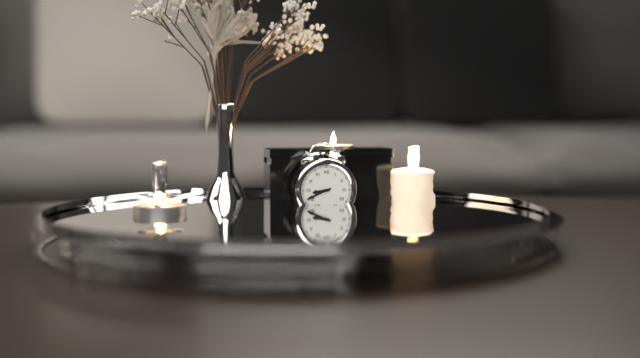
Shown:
h=8 m=41
